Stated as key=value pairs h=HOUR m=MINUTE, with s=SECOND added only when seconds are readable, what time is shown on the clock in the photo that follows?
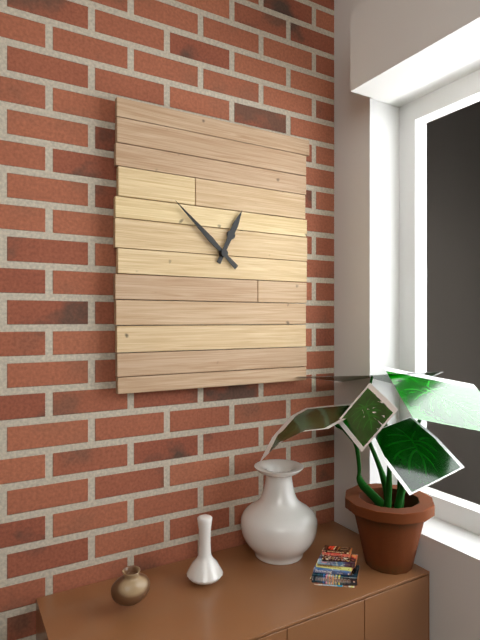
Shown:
h=12 m=52
